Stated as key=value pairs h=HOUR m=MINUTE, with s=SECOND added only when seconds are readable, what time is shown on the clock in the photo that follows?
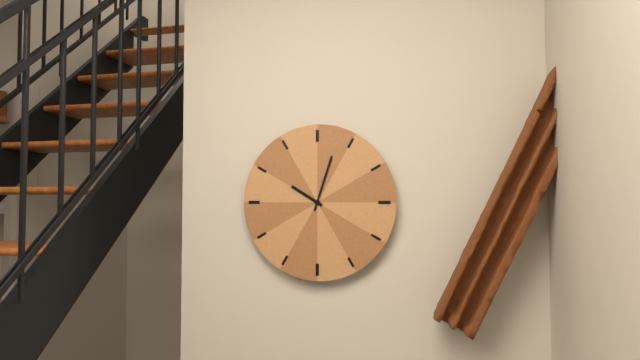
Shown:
h=10 m=3
